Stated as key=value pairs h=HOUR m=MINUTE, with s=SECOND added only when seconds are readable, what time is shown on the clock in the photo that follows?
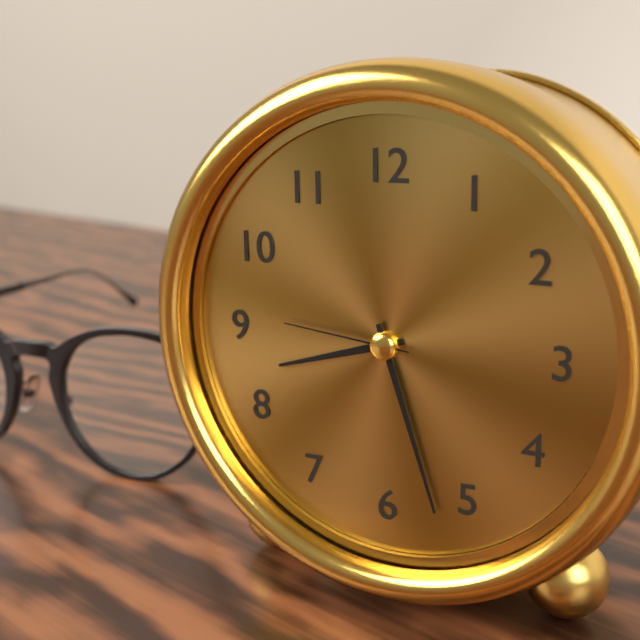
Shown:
h=8 m=27 s=46
